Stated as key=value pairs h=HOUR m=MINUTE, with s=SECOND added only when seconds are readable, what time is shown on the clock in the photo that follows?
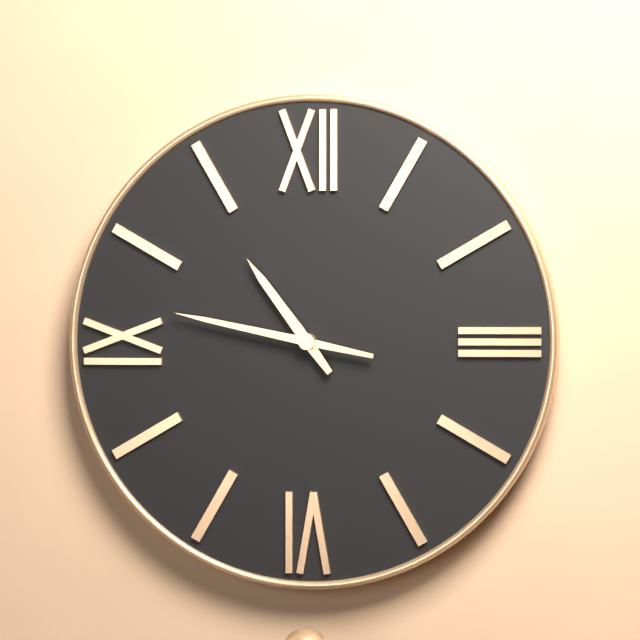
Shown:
h=10 m=47
